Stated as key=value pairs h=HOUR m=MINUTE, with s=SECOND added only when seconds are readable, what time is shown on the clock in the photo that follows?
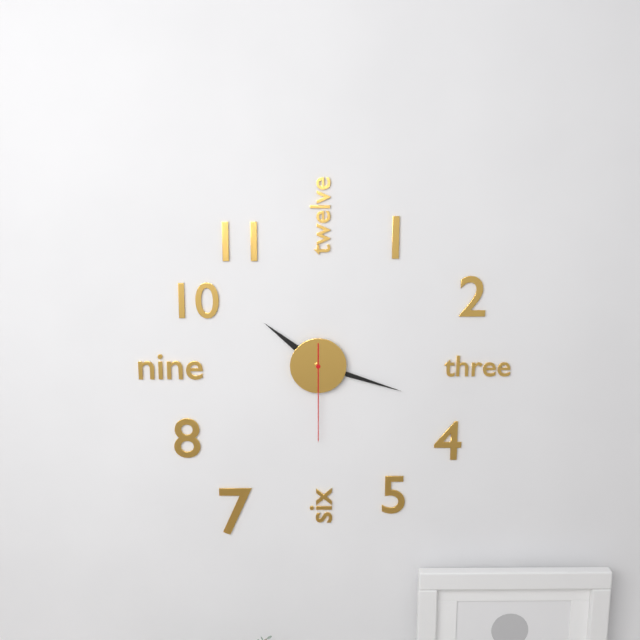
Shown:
h=10 m=18 s=30
